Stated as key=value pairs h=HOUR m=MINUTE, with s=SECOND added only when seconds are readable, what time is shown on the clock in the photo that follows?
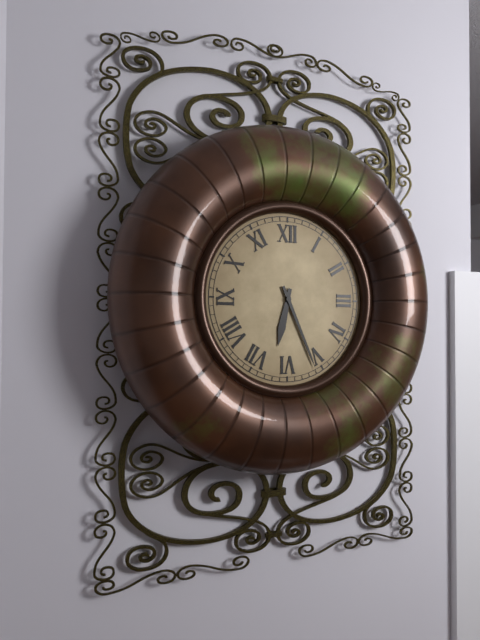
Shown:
h=6 m=26
